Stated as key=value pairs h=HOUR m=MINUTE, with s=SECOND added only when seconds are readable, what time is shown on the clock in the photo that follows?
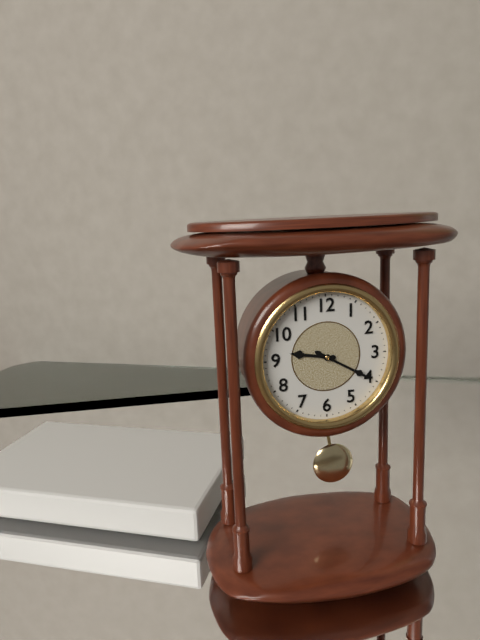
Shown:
h=9 m=20
